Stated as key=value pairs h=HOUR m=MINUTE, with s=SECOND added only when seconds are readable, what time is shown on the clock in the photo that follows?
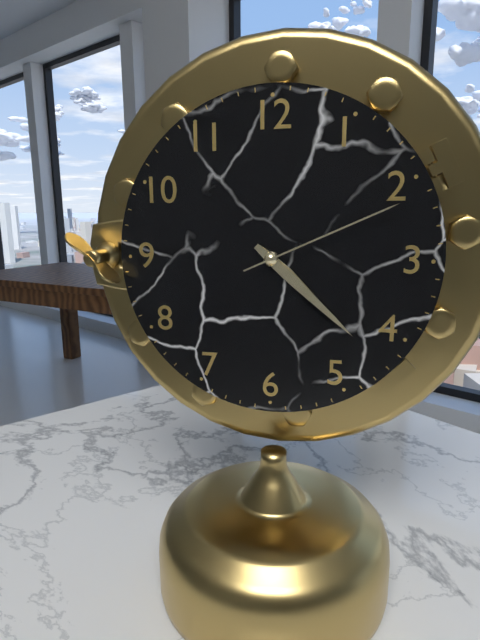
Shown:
h=4 m=22 s=11
